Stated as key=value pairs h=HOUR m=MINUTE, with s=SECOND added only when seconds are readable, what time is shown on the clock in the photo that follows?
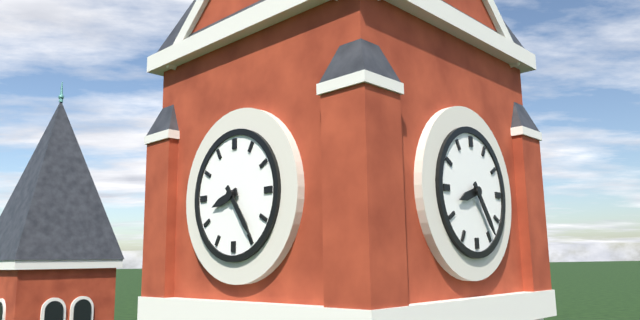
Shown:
h=8 m=24
